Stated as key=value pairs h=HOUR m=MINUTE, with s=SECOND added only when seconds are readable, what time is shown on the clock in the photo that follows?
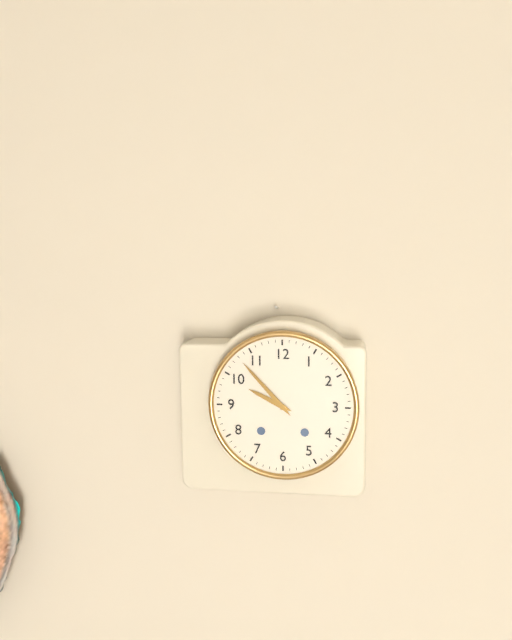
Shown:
h=9 m=53
